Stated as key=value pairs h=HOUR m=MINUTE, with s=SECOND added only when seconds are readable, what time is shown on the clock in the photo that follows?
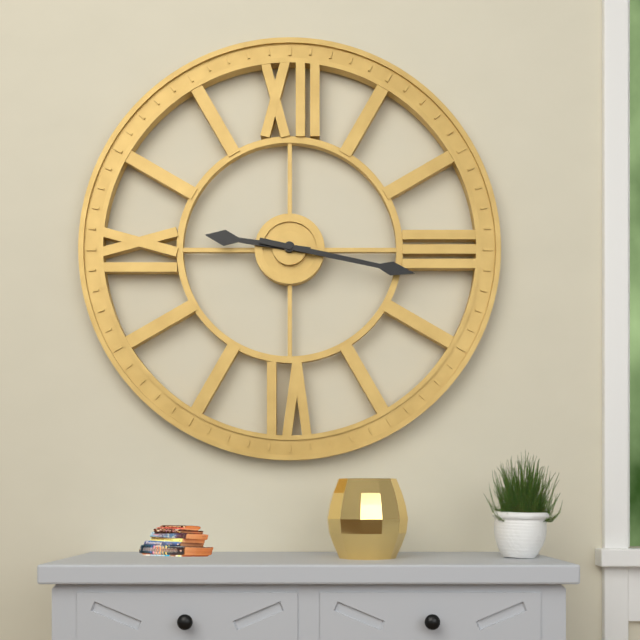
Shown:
h=9 m=17
